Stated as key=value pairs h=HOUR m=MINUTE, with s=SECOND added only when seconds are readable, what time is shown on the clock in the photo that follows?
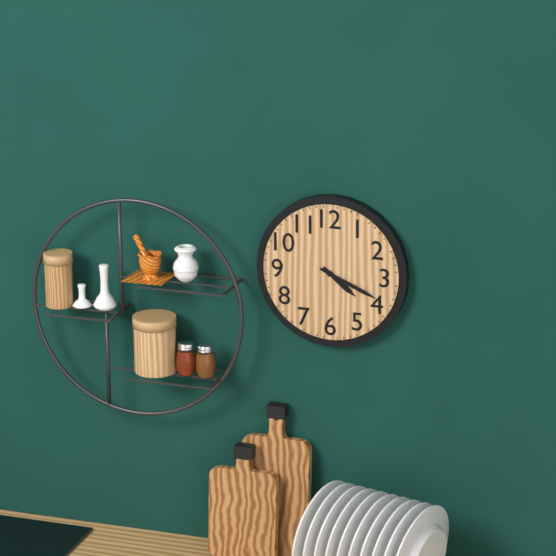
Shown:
h=4 m=19
